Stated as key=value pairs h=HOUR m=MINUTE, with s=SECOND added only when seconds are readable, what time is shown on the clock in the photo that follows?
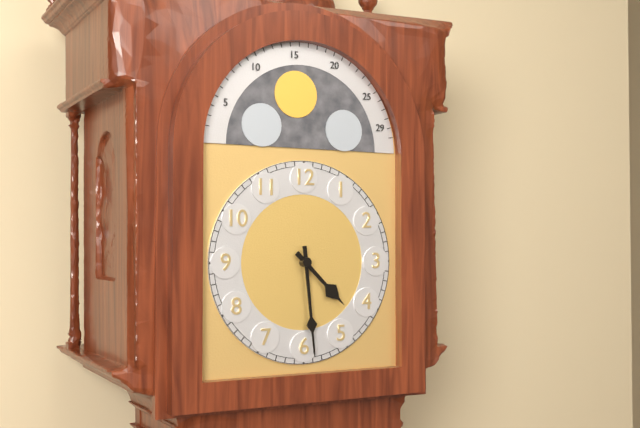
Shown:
h=4 m=29
